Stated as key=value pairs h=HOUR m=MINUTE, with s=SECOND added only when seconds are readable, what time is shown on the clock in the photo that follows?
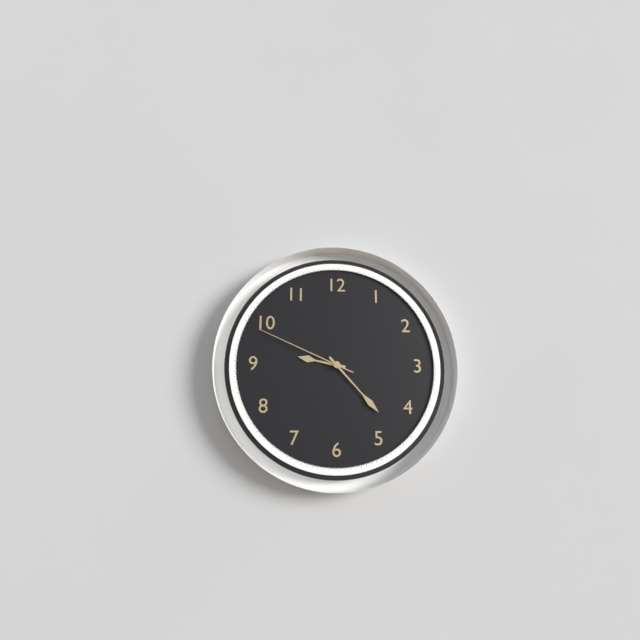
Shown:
h=9 m=23 s=49
